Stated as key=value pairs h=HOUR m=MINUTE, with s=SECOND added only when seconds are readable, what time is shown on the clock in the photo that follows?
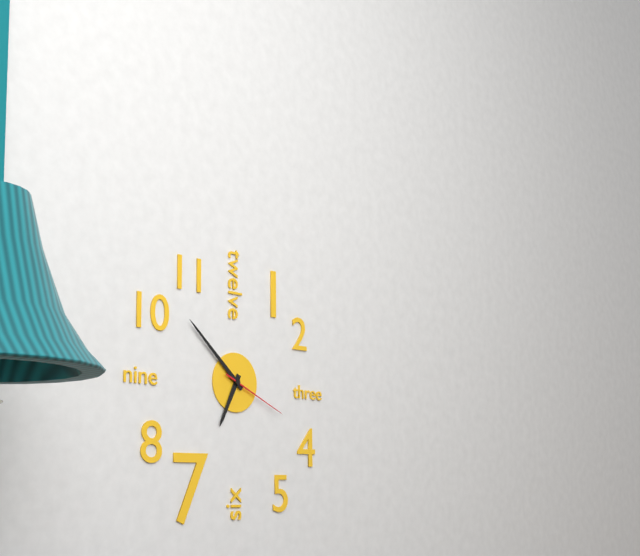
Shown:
h=6 m=52 s=19
